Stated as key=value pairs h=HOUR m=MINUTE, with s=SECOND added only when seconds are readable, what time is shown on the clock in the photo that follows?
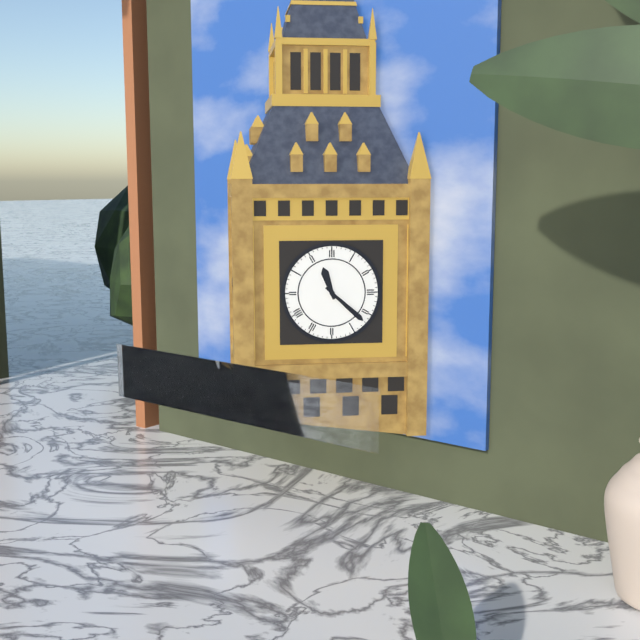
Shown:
h=11 m=22
